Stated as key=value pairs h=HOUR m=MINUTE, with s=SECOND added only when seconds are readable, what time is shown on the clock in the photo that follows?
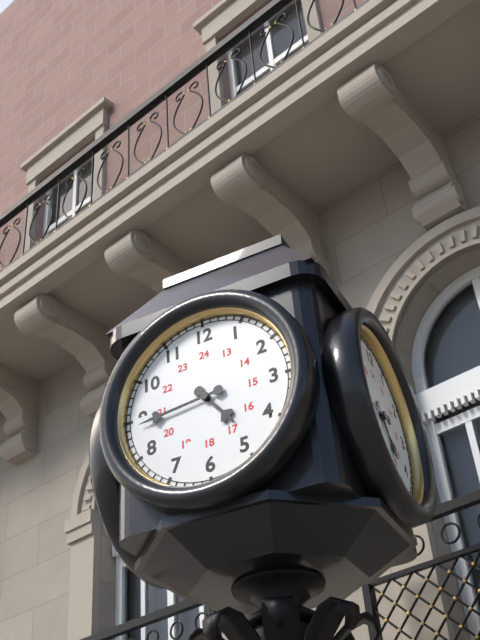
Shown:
h=4 m=44
